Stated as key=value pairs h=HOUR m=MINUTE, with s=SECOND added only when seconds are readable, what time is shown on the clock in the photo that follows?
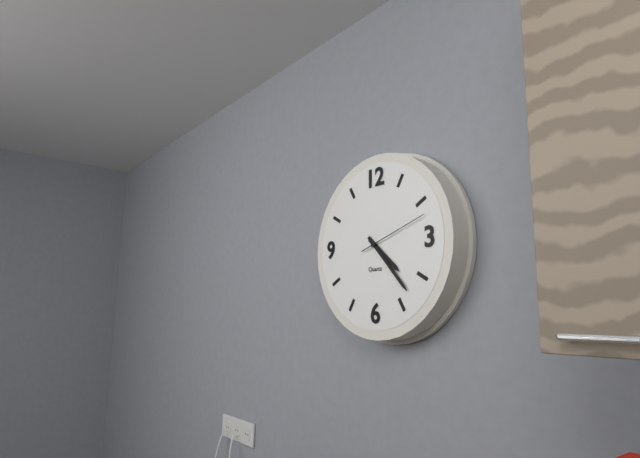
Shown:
h=4 m=23 s=12
